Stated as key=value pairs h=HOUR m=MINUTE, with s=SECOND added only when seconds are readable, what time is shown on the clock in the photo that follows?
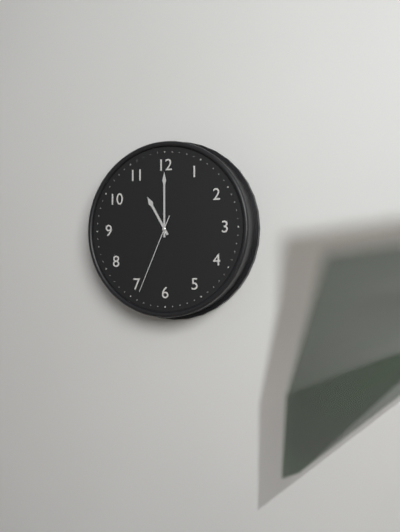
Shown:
h=11 m=0 s=34
